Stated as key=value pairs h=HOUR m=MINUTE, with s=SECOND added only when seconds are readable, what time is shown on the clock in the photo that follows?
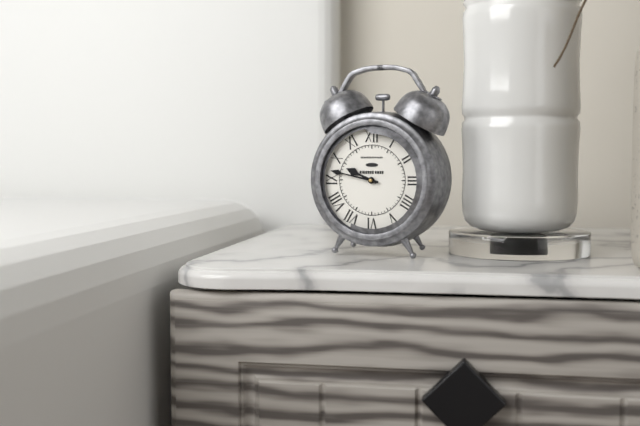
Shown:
h=9 m=47
